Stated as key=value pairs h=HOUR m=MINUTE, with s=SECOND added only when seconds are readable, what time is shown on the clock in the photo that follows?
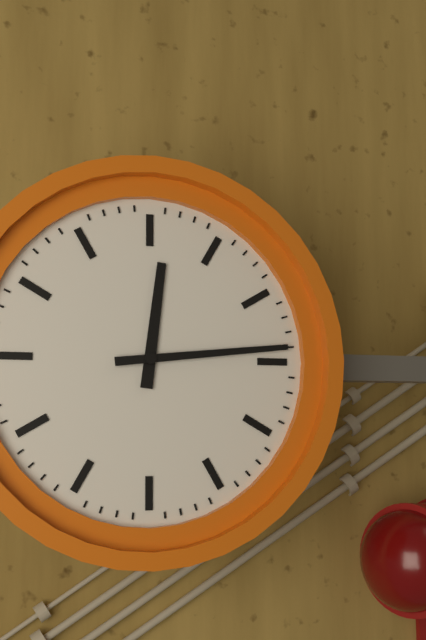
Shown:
h=12 m=14
